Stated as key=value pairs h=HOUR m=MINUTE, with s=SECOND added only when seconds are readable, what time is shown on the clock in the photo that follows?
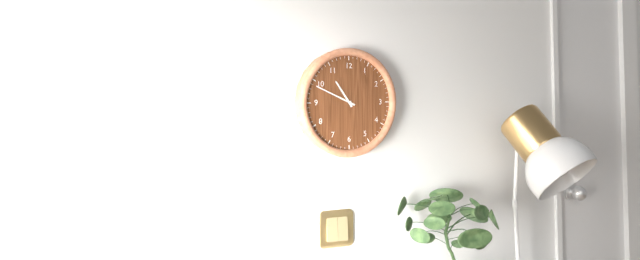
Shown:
h=10 m=49
